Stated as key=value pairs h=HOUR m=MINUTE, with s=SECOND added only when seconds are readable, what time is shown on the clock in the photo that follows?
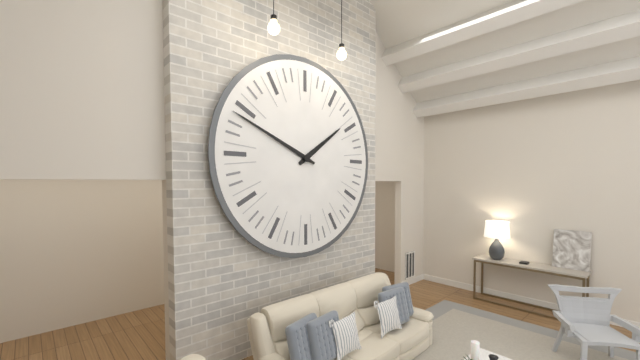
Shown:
h=1 m=49
